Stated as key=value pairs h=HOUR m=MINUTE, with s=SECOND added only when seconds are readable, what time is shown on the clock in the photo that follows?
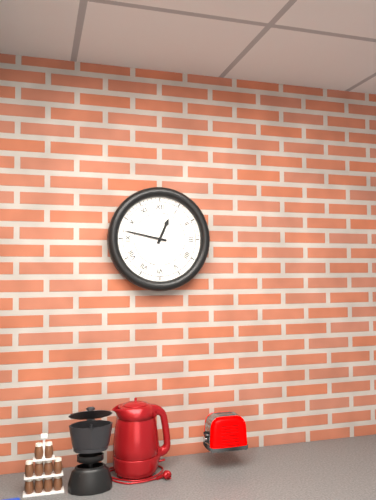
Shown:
h=12 m=47
